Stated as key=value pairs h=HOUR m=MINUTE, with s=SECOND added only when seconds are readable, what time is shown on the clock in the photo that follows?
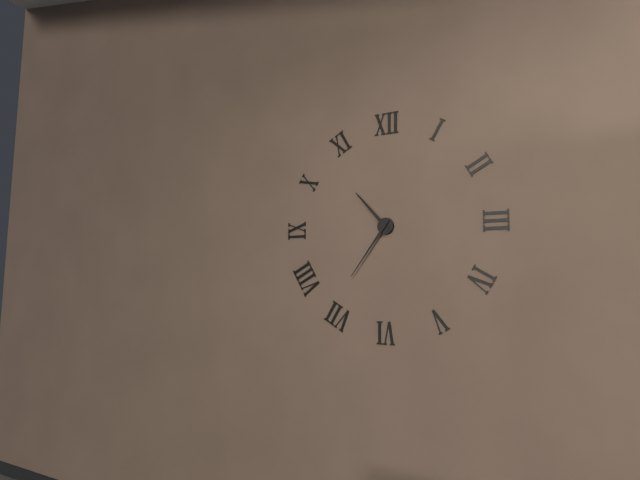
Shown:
h=10 m=36
